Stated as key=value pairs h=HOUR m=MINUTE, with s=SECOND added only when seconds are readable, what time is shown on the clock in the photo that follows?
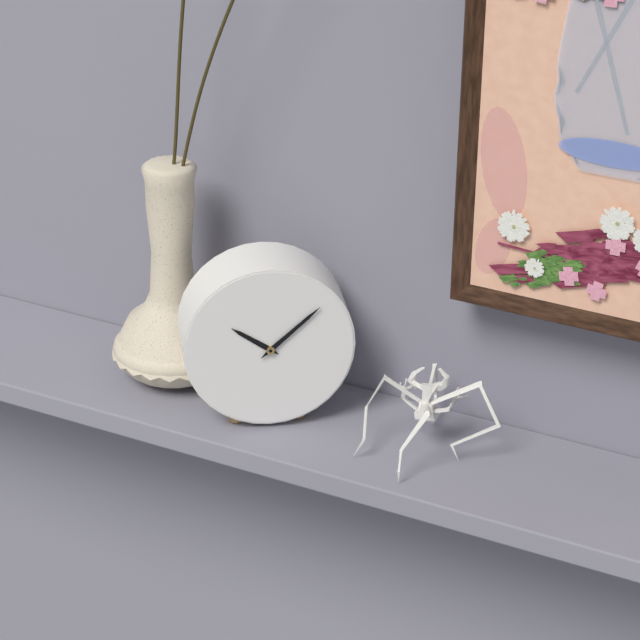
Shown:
h=10 m=8
